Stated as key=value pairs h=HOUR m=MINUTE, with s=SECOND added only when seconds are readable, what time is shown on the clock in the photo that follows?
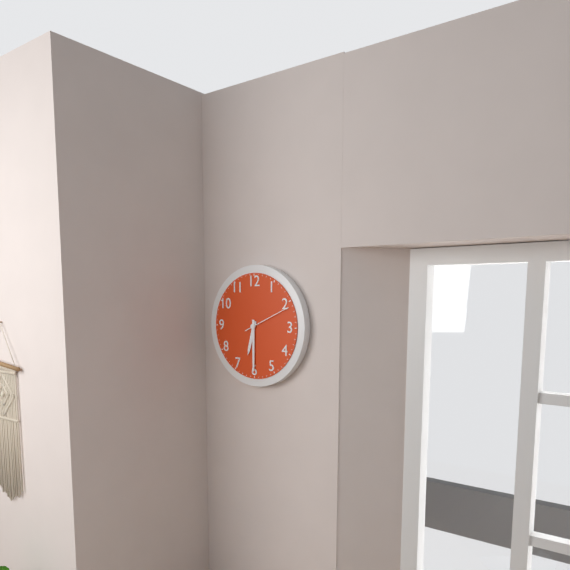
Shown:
h=6 m=30 s=11
